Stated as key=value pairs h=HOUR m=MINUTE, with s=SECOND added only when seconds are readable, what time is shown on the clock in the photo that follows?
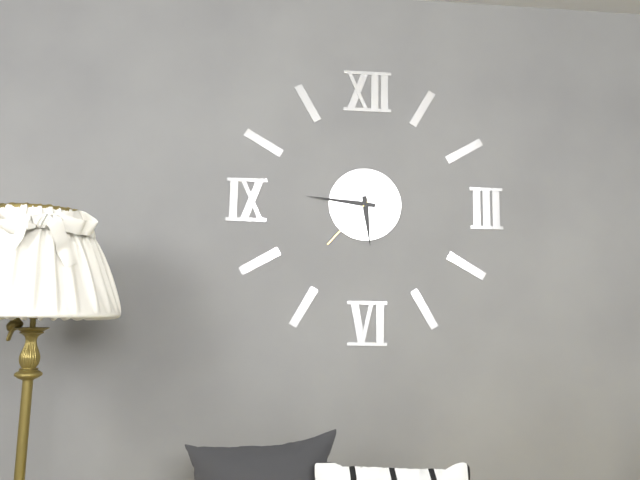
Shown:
h=5 m=46 s=37
